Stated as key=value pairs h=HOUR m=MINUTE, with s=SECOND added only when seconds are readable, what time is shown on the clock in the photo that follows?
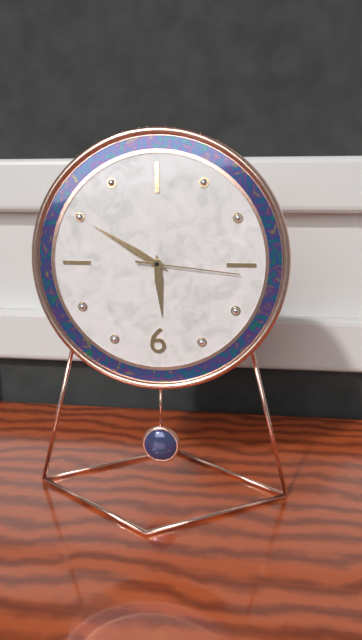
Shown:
h=5 m=50 s=16
